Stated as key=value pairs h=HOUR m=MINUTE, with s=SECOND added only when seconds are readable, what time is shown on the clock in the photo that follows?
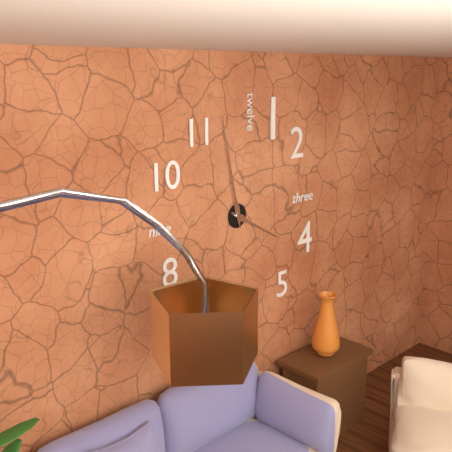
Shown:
h=3 m=58
